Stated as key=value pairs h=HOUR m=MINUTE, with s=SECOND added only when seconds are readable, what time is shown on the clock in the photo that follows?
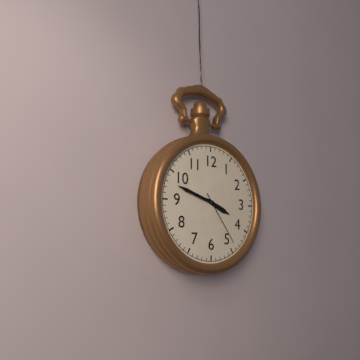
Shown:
h=3 m=48 s=24
